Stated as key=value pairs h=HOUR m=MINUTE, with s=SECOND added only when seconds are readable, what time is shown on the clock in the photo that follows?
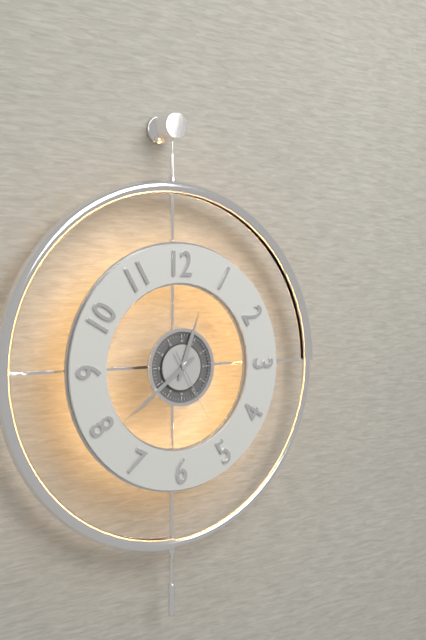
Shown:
h=12 m=39 s=25
